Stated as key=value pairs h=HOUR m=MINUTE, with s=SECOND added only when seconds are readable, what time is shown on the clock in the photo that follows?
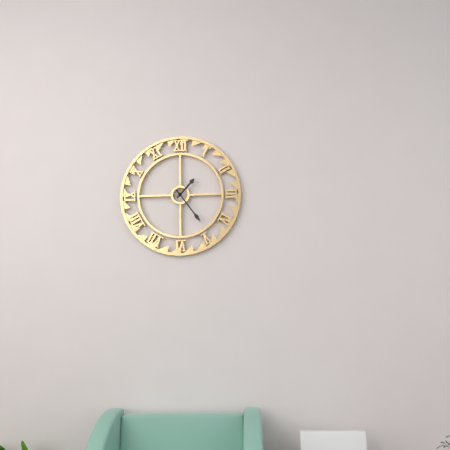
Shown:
h=1 m=24
